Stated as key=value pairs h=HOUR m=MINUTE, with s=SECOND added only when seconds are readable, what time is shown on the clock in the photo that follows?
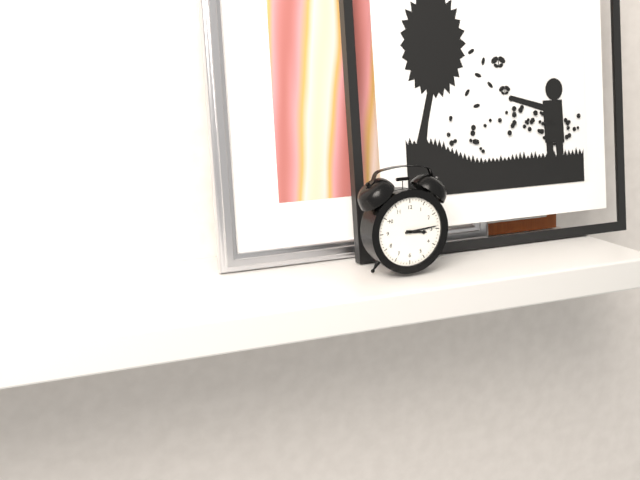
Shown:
h=3 m=14
